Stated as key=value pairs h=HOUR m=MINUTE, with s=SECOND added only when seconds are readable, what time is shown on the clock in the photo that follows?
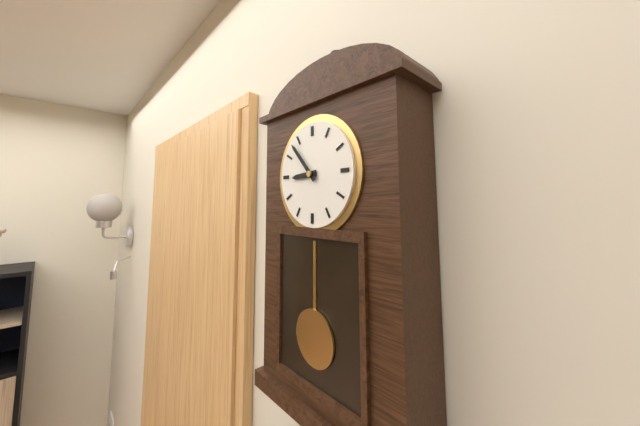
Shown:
h=8 m=53
